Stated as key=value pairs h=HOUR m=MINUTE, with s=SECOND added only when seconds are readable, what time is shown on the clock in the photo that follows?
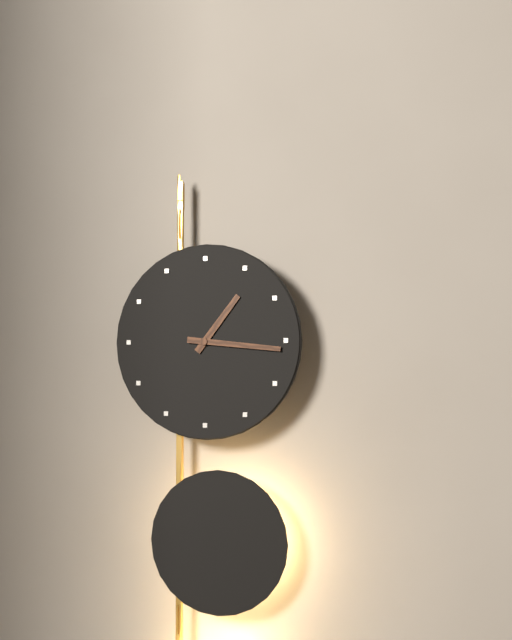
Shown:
h=1 m=16
